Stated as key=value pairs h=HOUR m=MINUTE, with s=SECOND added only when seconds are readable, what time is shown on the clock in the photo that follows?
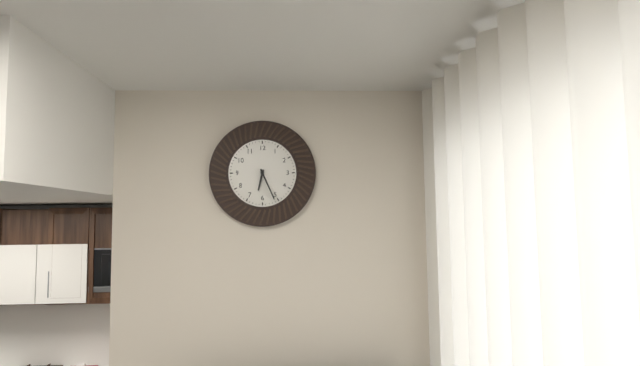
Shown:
h=6 m=26
